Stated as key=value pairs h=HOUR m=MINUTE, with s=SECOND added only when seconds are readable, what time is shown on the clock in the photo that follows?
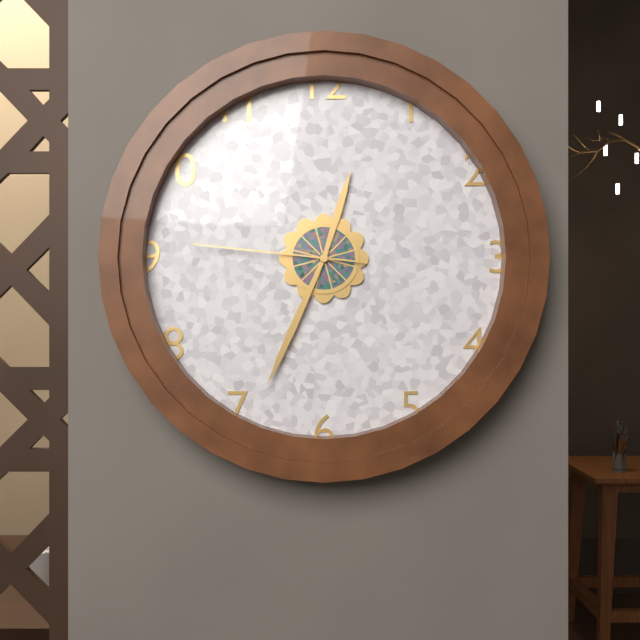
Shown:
h=12 m=34 s=46
